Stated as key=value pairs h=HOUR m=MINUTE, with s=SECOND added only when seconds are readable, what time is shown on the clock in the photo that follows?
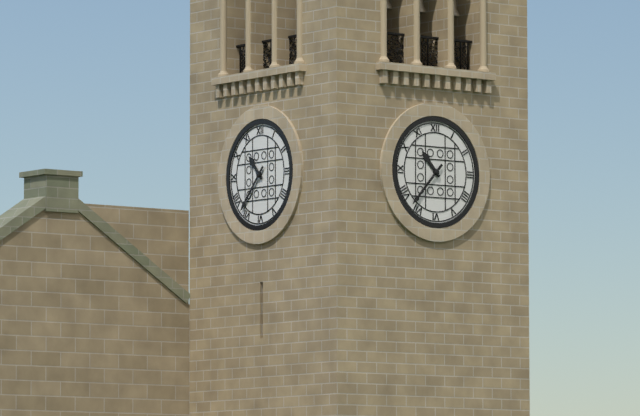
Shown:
h=10 m=37
